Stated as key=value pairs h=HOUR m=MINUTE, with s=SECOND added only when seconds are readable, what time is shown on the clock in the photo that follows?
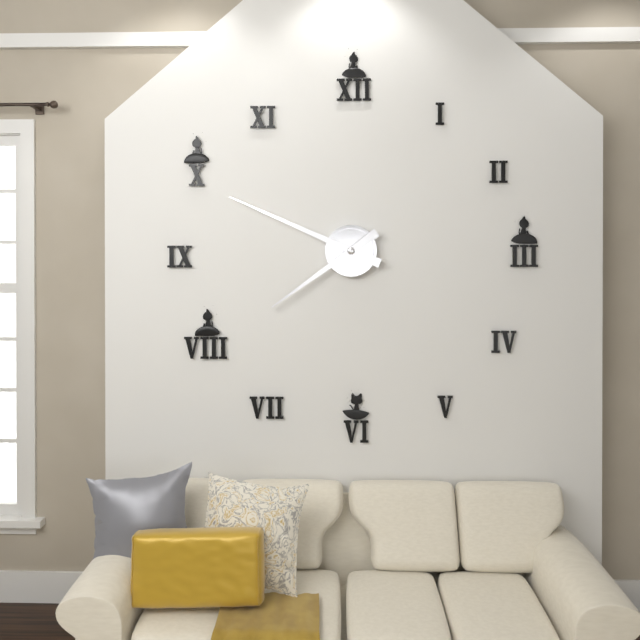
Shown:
h=7 m=49
